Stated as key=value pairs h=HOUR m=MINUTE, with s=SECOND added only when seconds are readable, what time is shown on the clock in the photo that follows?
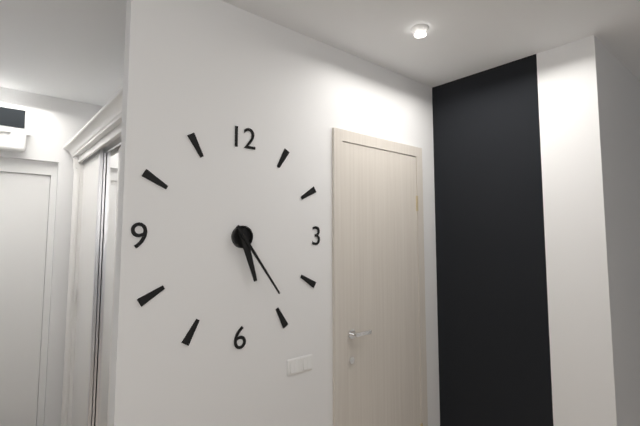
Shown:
h=5 m=24
